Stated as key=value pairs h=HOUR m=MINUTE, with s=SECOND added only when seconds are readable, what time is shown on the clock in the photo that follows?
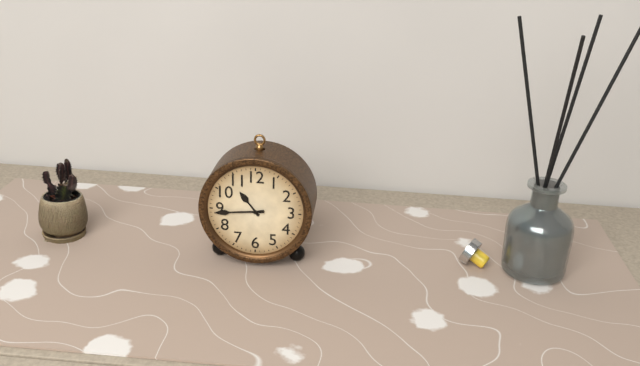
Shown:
h=10 m=44
